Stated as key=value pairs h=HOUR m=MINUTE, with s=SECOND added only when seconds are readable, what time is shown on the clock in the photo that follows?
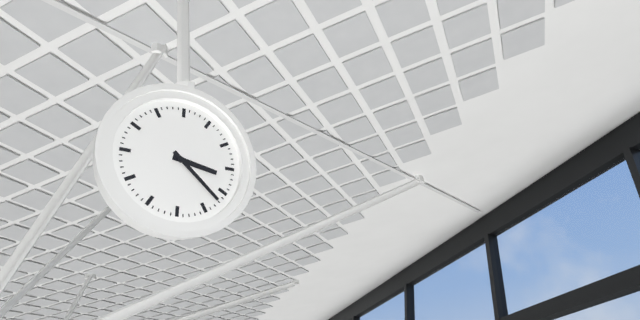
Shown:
h=3 m=22
